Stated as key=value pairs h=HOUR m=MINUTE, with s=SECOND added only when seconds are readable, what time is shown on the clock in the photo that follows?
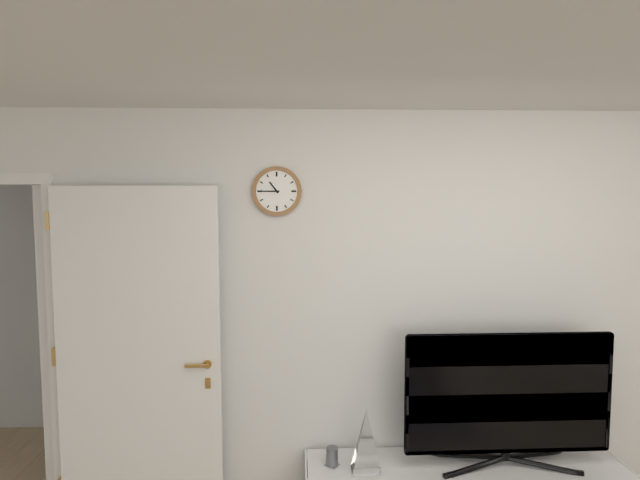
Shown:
h=10 m=45
